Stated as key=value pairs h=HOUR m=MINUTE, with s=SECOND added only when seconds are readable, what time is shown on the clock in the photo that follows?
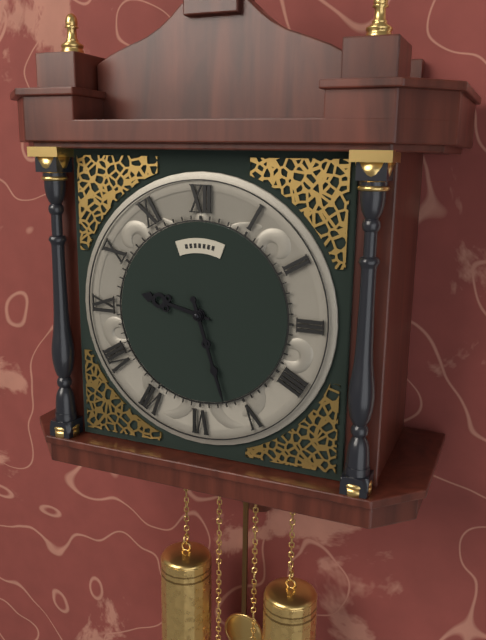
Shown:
h=9 m=27
